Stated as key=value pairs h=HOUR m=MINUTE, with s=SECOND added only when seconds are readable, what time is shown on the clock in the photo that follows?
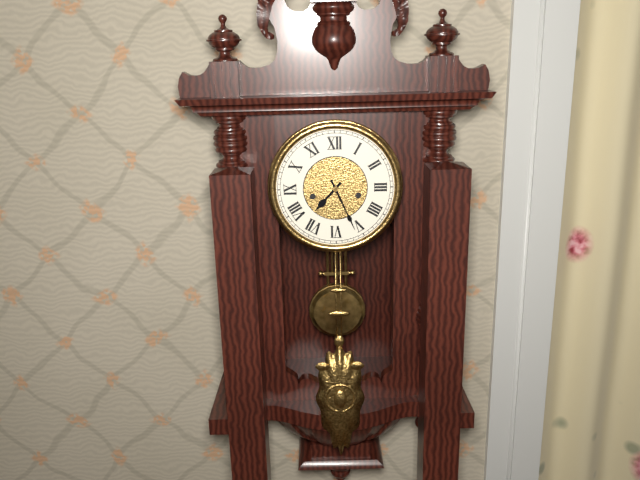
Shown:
h=7 m=26
